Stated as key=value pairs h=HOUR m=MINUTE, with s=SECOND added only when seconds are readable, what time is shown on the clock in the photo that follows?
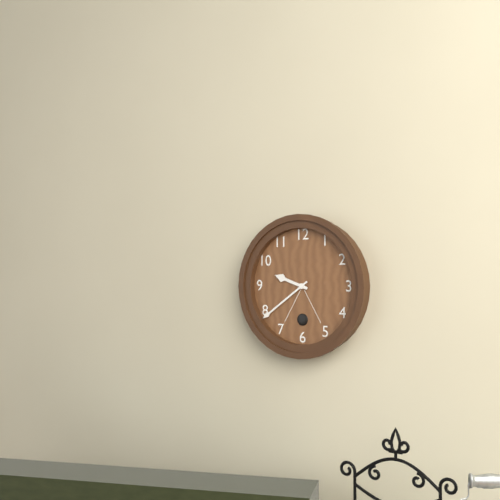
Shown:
h=9 m=39
